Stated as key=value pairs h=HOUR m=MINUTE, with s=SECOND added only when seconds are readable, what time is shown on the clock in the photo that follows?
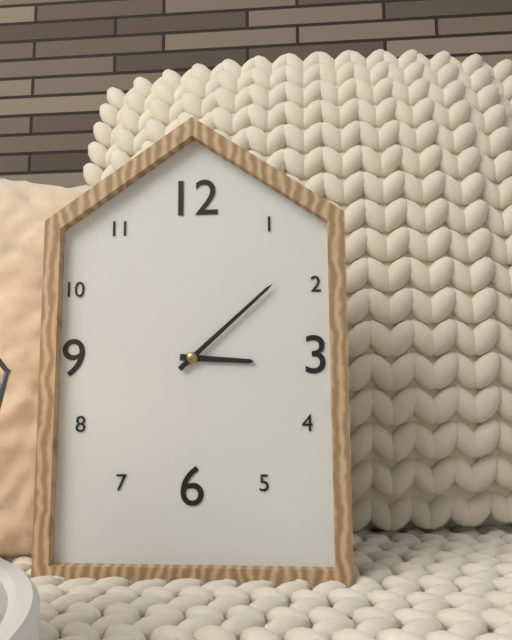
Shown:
h=3 m=8
